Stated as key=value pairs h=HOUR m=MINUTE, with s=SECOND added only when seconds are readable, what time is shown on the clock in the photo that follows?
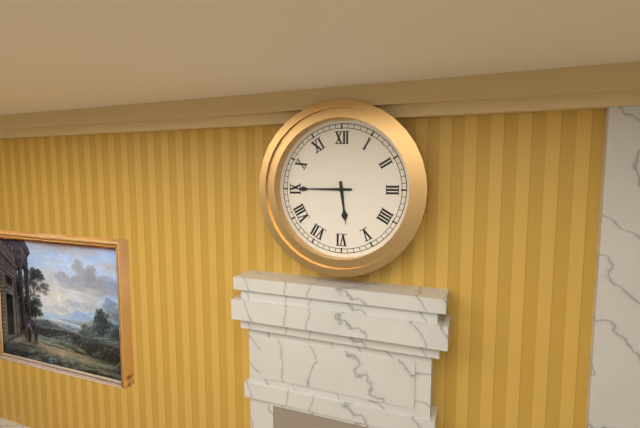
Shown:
h=5 m=45
